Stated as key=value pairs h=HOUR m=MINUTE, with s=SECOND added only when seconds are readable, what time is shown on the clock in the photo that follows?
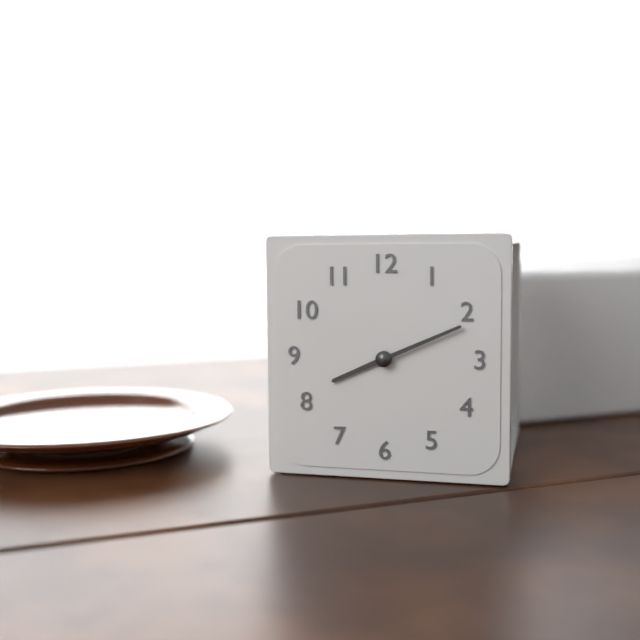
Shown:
h=8 m=11
